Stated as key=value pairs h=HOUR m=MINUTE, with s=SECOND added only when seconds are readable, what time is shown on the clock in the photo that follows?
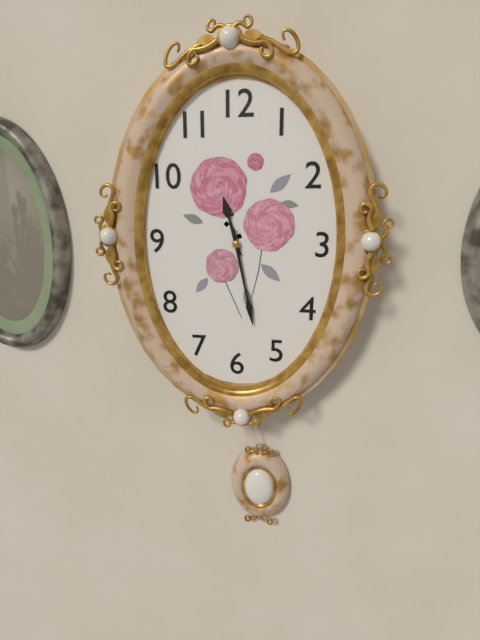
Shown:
h=11 m=28
